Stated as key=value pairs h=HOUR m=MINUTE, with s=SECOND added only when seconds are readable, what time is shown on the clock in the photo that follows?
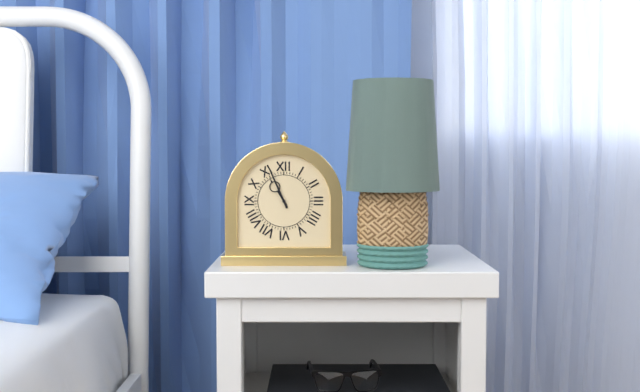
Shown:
h=10 m=56
